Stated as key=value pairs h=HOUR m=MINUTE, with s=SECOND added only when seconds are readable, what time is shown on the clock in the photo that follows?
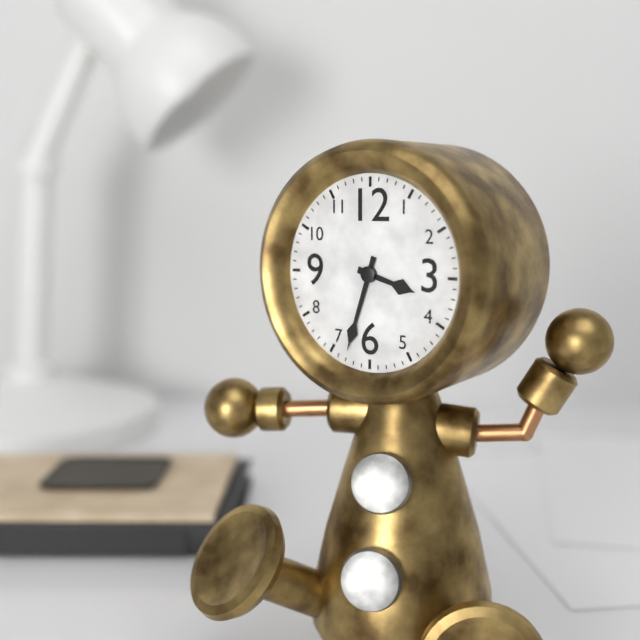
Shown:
h=3 m=33
